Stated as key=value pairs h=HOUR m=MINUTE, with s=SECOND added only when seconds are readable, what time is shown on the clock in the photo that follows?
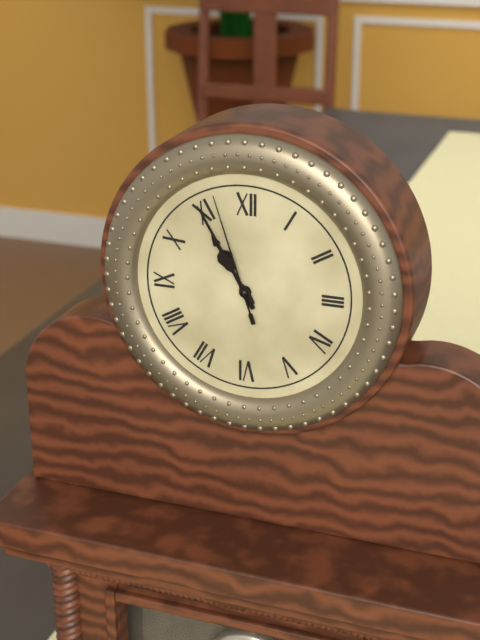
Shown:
h=10 m=55 s=57
